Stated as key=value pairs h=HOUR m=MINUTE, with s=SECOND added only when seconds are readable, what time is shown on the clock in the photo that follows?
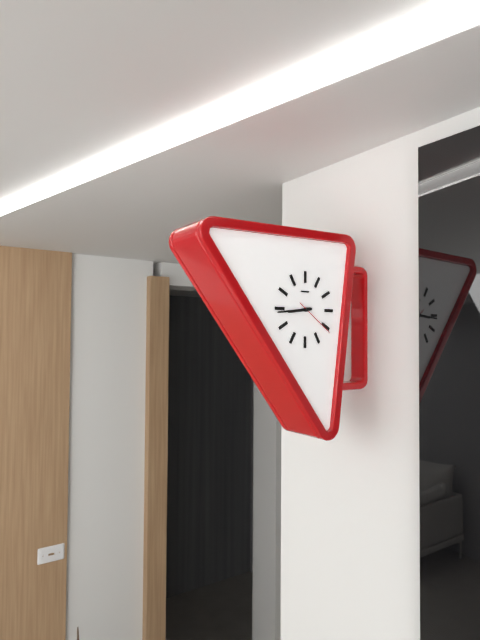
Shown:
h=8 m=44
